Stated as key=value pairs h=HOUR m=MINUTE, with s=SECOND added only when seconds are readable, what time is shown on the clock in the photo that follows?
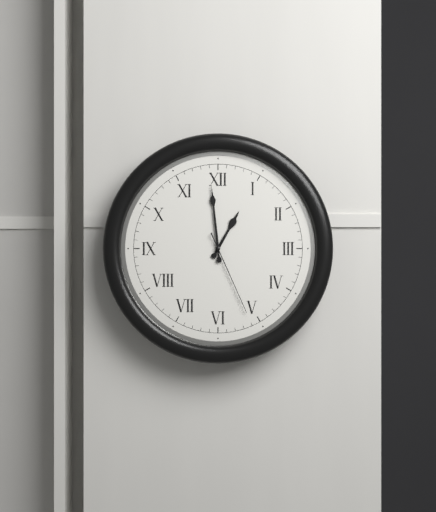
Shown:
h=12 m=59 s=26
